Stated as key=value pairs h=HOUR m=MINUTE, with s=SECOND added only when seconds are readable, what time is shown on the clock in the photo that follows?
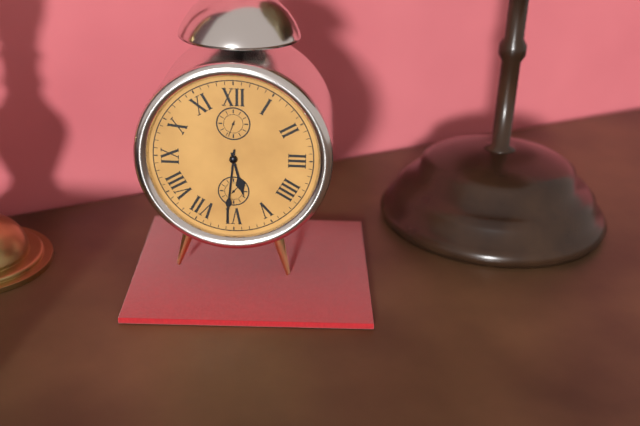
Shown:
h=5 m=31
